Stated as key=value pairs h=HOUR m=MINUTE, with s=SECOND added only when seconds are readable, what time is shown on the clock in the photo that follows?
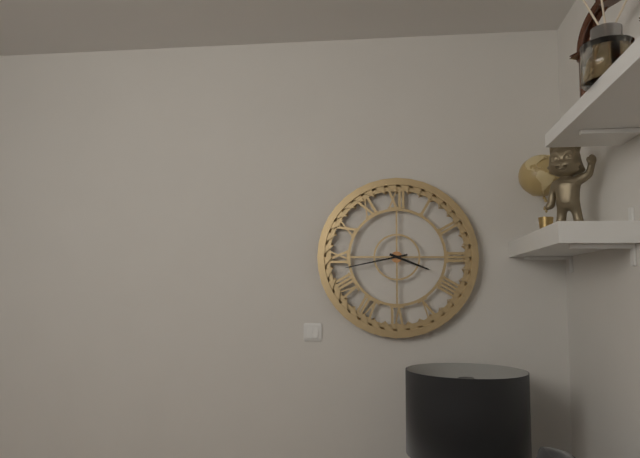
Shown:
h=3 m=43
